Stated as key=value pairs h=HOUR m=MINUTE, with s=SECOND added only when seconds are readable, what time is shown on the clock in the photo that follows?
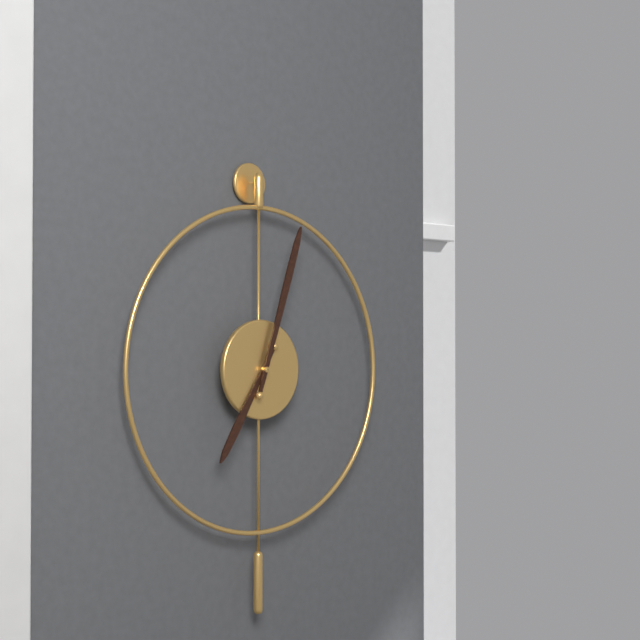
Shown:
h=7 m=3
